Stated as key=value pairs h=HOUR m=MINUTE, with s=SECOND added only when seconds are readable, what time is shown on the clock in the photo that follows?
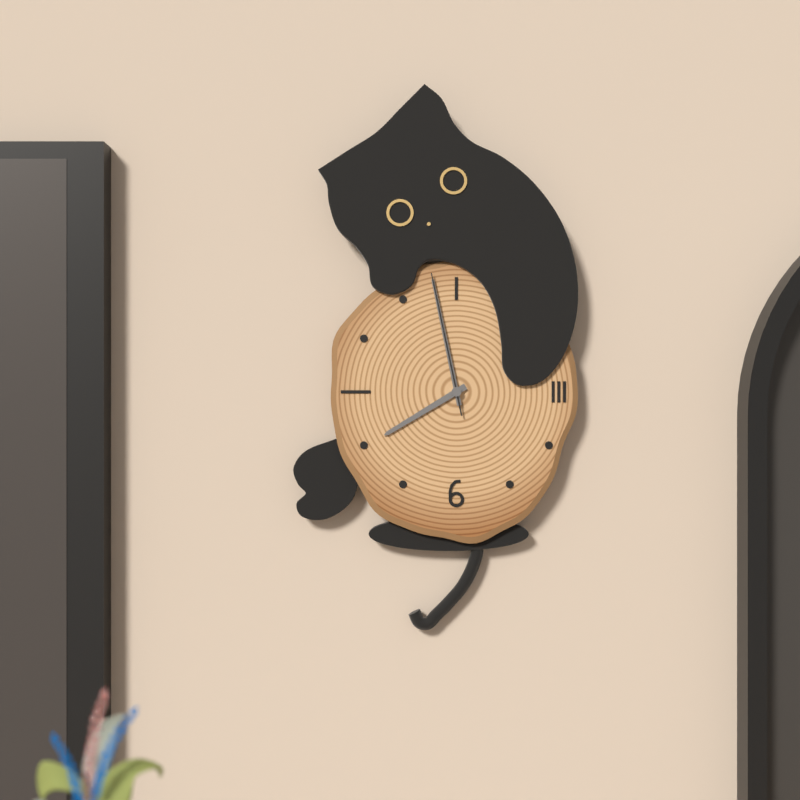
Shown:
h=7 m=58 s=58
